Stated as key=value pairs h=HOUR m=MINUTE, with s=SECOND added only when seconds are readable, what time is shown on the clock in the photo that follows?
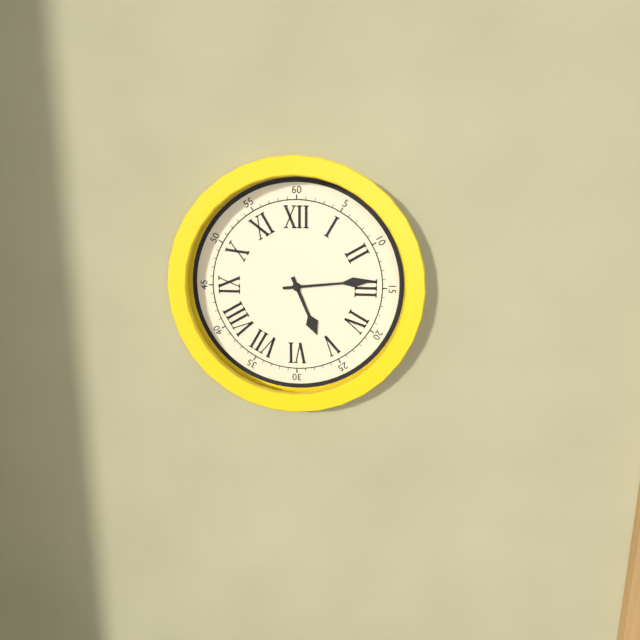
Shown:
h=5 m=14
